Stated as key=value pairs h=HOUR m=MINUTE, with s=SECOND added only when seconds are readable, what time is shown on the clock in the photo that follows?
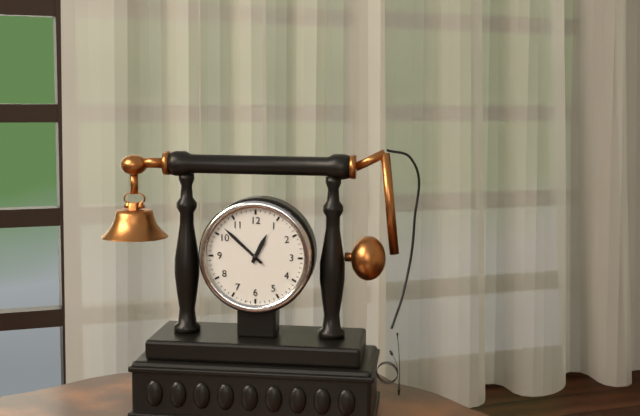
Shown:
h=12 m=52
